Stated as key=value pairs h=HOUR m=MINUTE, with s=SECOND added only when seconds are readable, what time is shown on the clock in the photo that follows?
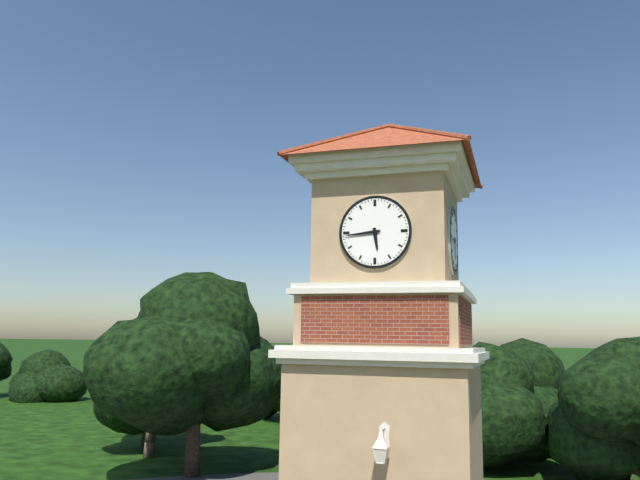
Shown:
h=5 m=44
